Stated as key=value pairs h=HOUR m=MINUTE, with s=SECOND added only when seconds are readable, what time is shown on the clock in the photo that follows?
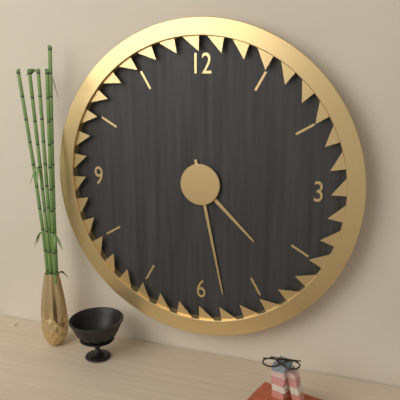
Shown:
h=4 m=28
